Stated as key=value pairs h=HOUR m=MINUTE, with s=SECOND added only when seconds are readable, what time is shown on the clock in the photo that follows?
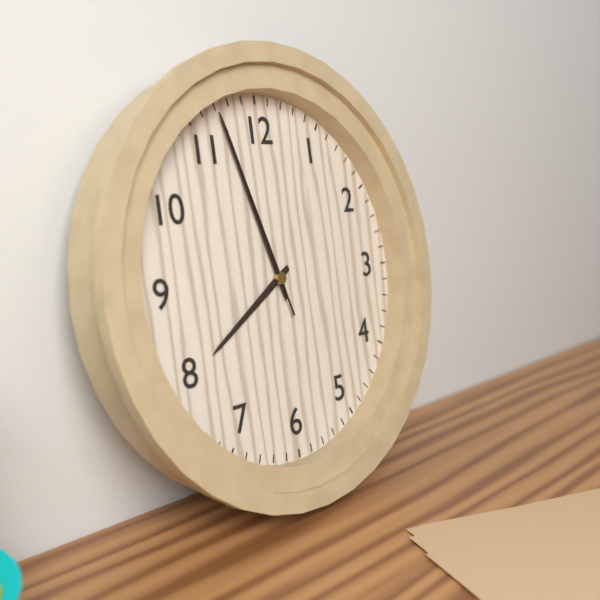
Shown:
h=7 m=57 s=57
